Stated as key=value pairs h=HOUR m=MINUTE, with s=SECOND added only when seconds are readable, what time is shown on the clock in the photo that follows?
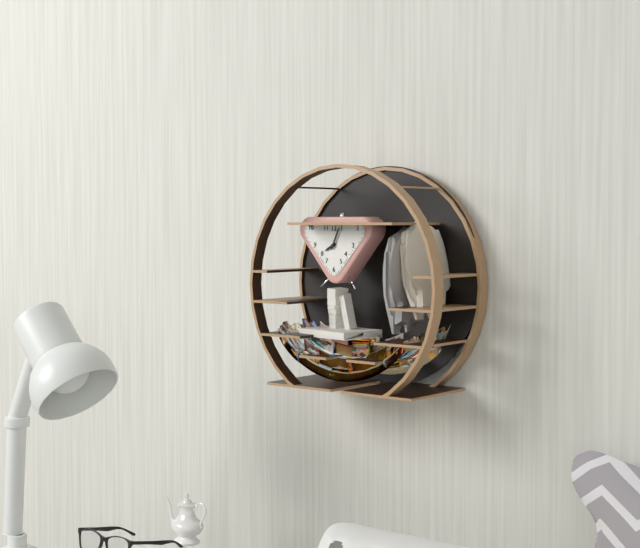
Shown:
h=8 m=4
